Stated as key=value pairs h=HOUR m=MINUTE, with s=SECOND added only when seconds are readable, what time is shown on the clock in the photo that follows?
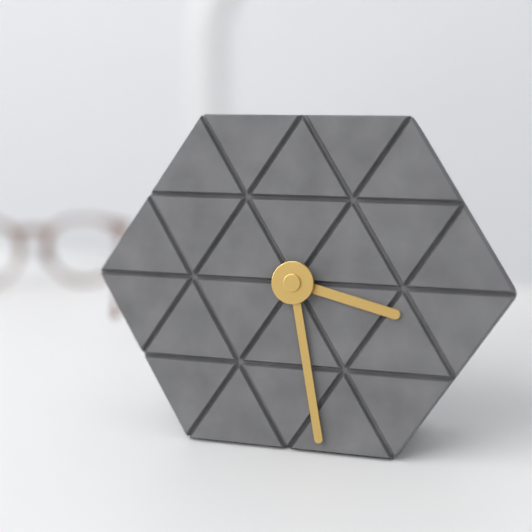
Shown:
h=3 m=28
